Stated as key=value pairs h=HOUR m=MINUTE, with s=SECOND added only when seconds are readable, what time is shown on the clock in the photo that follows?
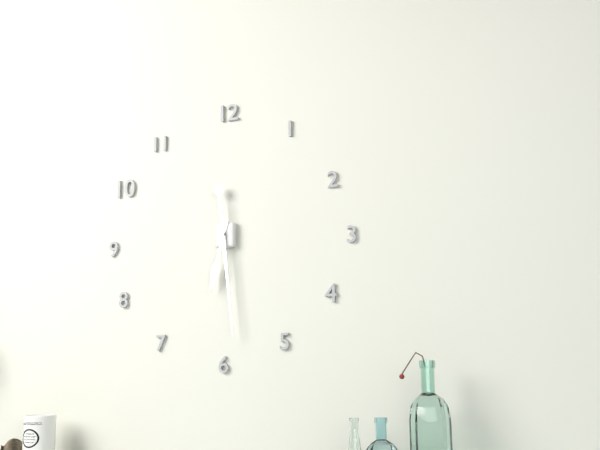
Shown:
h=6 m=29
